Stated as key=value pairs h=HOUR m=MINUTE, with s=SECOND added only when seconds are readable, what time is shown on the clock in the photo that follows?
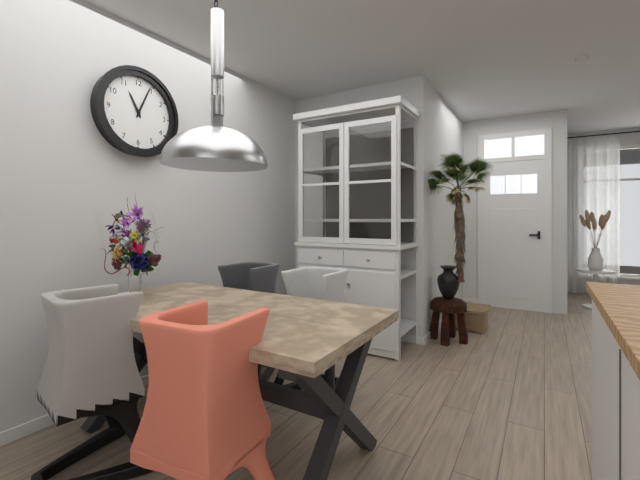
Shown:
h=11 m=4
